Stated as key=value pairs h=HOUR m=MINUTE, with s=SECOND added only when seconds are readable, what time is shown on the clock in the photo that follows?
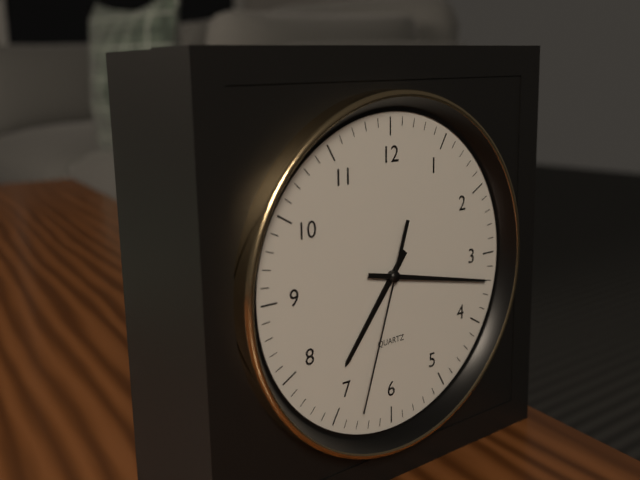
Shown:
h=7 m=17 s=33
